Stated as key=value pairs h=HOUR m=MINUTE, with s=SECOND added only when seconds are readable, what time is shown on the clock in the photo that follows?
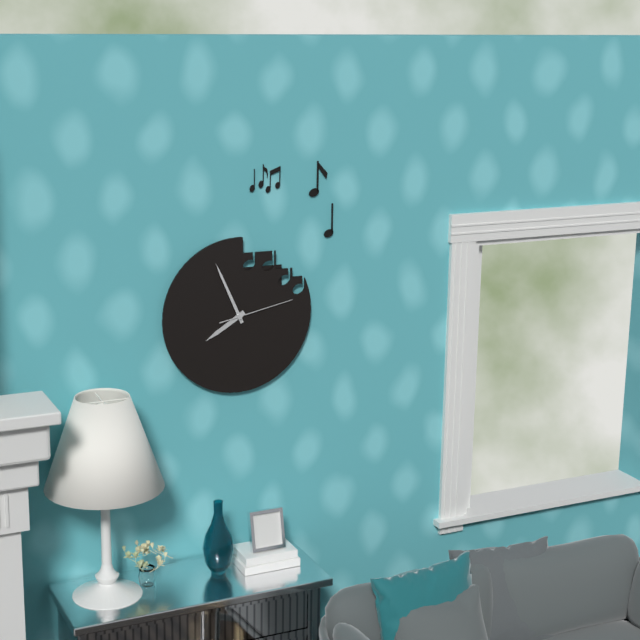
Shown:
h=7 m=56 s=13
